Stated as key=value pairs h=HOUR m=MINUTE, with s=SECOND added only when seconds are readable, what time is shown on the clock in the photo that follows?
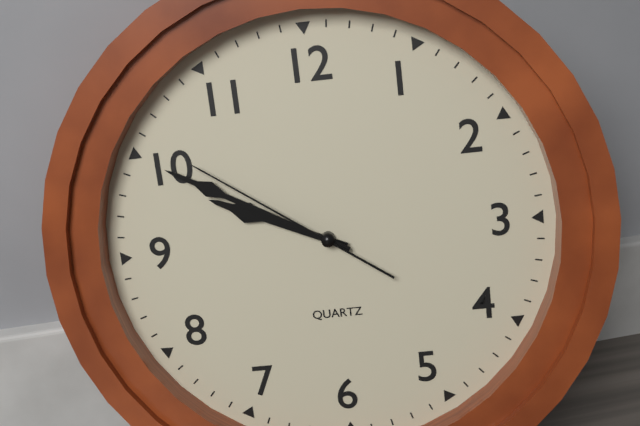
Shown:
h=9 m=50 s=51
